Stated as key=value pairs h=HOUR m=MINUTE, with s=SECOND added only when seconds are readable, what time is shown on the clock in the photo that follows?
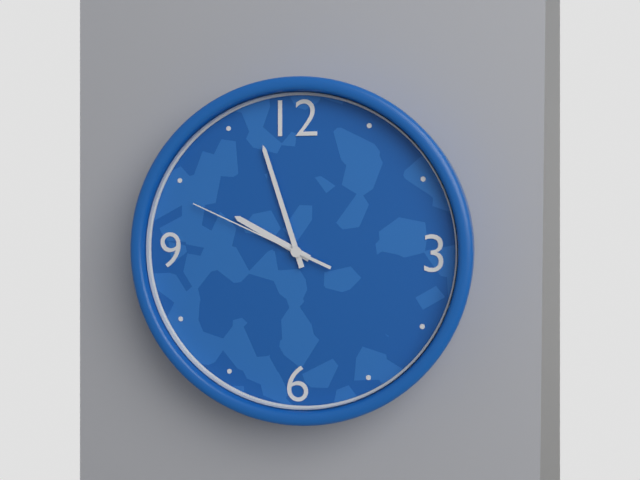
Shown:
h=9 m=57 s=49
